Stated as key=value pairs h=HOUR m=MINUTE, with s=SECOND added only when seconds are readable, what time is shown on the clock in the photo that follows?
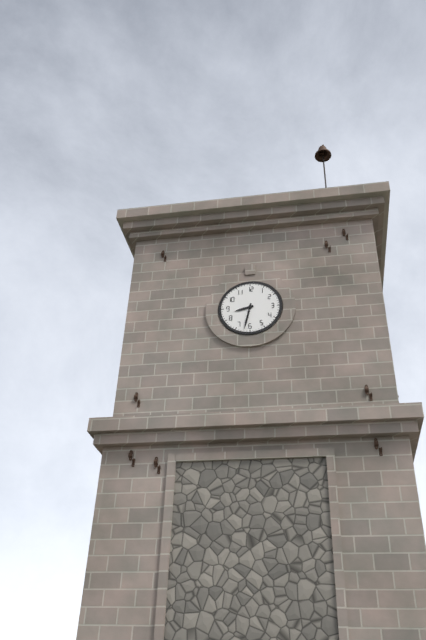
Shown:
h=8 m=32
